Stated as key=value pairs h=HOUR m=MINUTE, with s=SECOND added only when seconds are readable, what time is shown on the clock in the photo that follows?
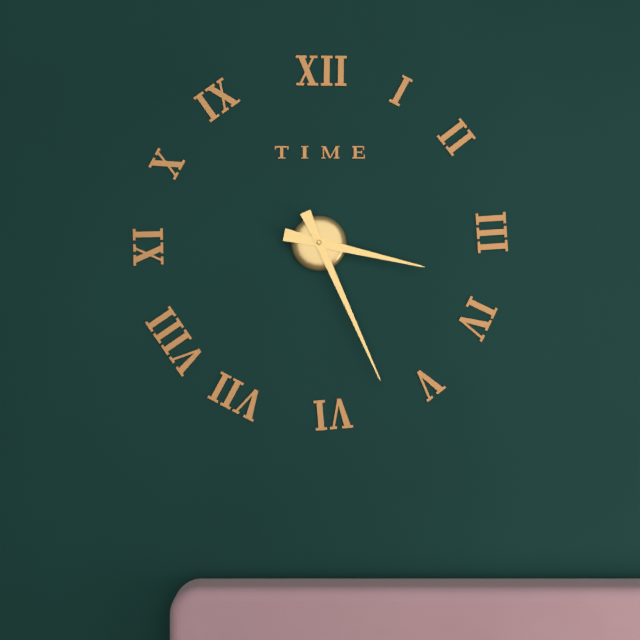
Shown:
h=3 m=26
